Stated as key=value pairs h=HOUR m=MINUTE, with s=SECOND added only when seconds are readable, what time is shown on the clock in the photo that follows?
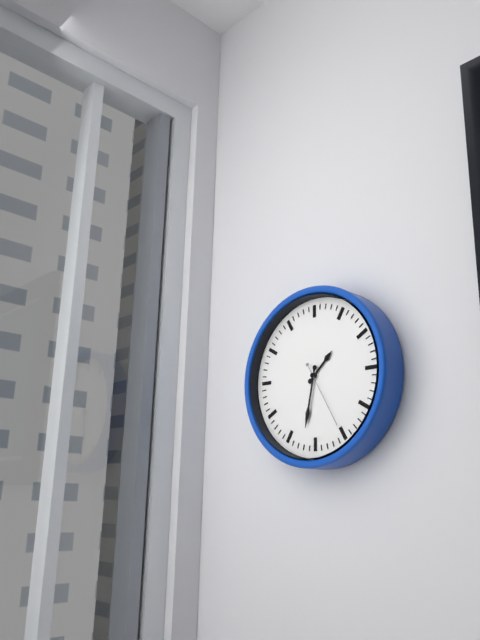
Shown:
h=1 m=32 s=25
